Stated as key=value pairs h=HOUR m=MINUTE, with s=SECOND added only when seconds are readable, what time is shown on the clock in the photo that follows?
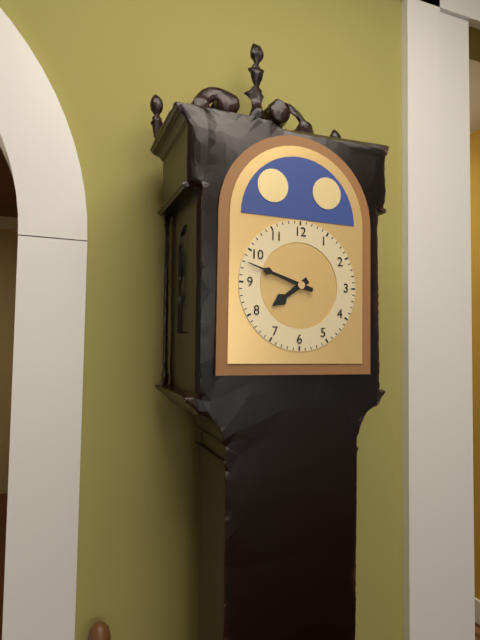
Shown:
h=7 m=48
